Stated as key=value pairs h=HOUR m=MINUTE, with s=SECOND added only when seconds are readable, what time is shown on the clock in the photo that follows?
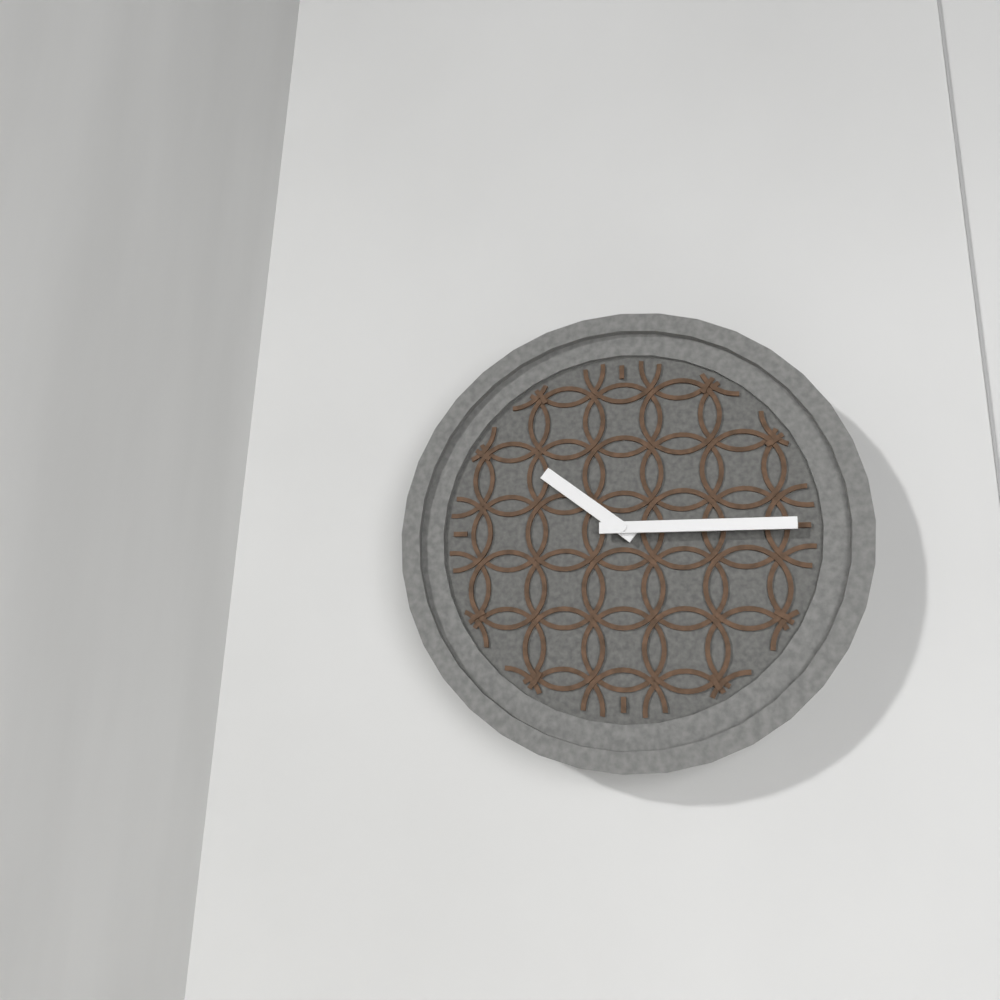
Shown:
h=10 m=15
